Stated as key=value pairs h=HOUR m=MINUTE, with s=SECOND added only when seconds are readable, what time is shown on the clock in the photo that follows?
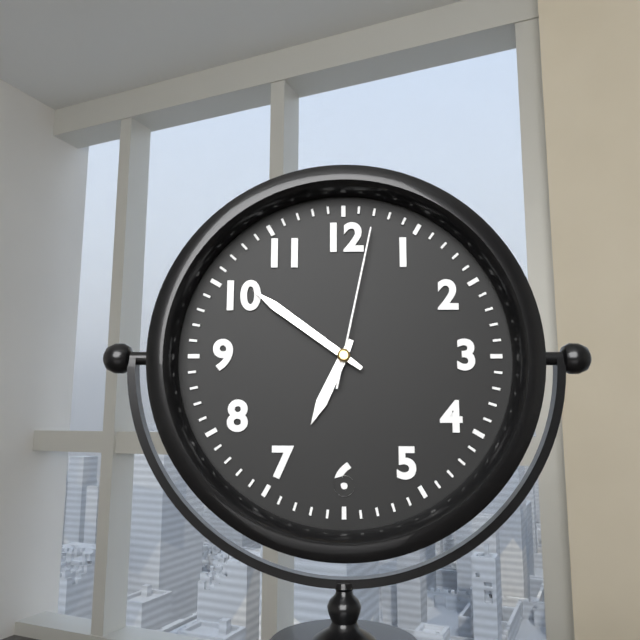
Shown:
h=6 m=51 s=2
